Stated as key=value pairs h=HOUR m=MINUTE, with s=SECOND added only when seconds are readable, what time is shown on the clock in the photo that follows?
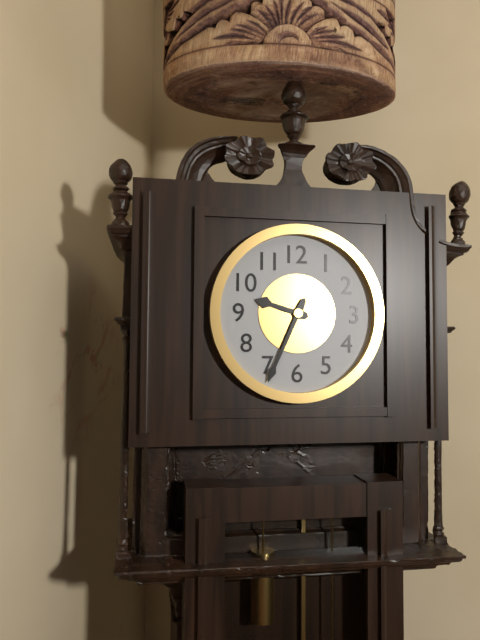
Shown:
h=9 m=34
